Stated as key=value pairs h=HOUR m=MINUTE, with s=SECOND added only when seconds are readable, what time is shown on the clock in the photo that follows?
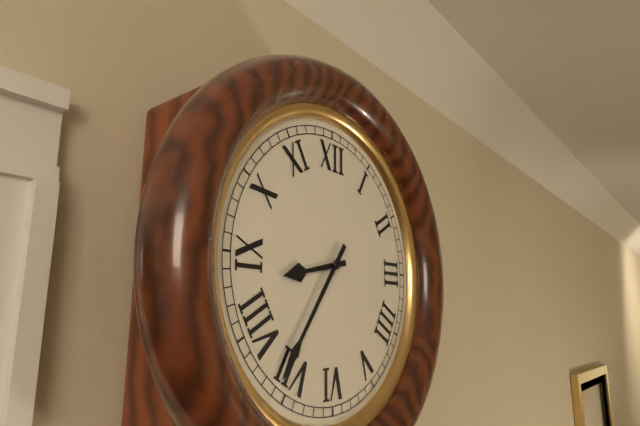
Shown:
h=8 m=36
